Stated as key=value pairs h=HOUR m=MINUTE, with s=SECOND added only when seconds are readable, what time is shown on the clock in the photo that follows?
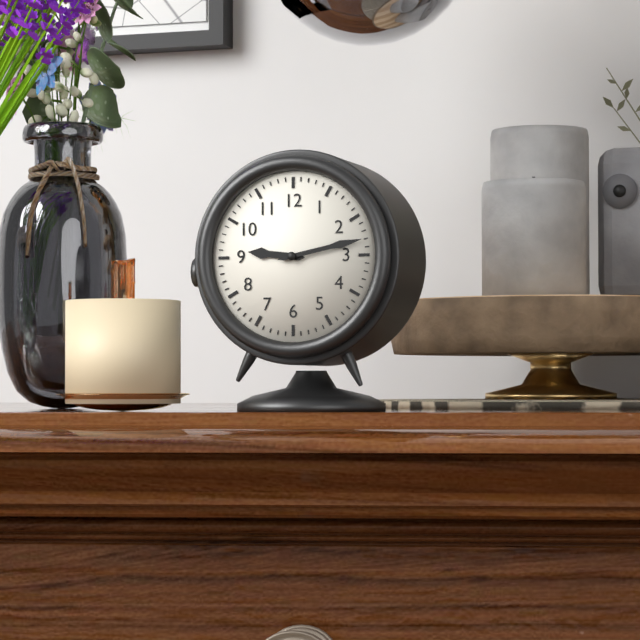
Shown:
h=9 m=13
